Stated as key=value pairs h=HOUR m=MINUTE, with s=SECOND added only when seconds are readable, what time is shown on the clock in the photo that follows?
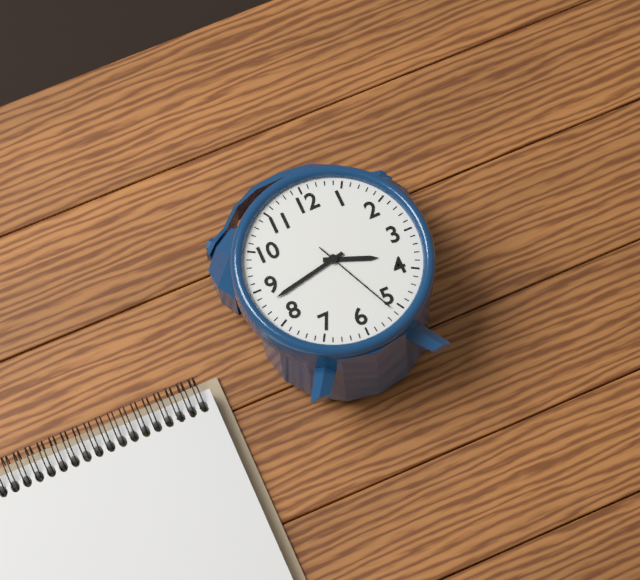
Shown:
h=3 m=43 s=26
